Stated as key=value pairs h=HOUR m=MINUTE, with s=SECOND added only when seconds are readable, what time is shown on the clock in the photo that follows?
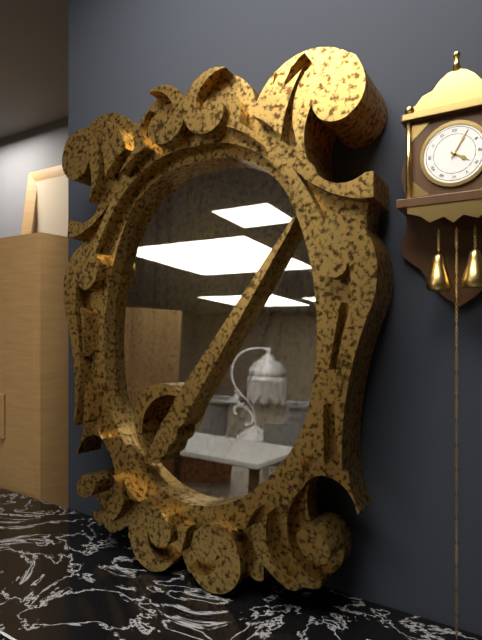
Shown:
h=4 m=5
